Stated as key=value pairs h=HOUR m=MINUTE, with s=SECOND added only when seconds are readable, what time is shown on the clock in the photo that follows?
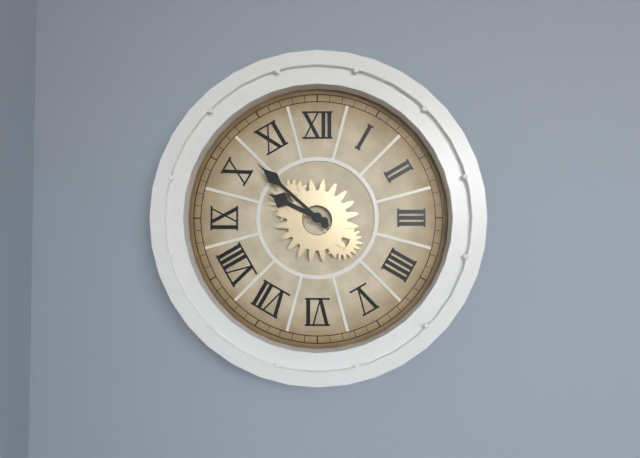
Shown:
h=9 m=52
